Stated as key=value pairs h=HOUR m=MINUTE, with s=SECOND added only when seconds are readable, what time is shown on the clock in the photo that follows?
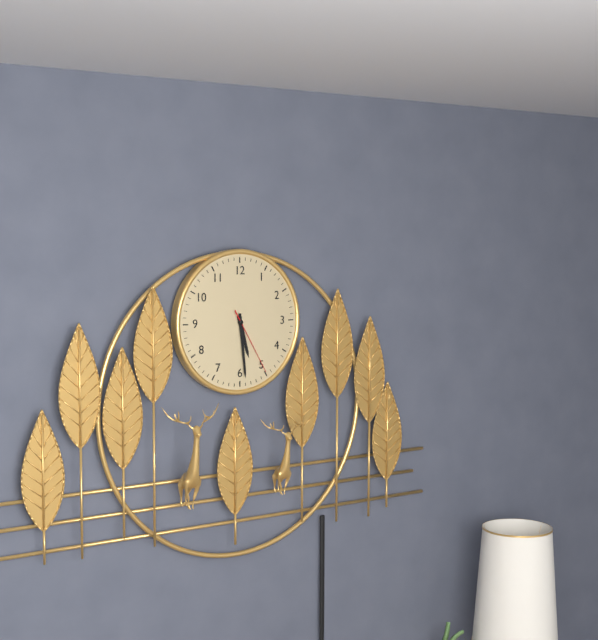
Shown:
h=5 m=29 s=25
